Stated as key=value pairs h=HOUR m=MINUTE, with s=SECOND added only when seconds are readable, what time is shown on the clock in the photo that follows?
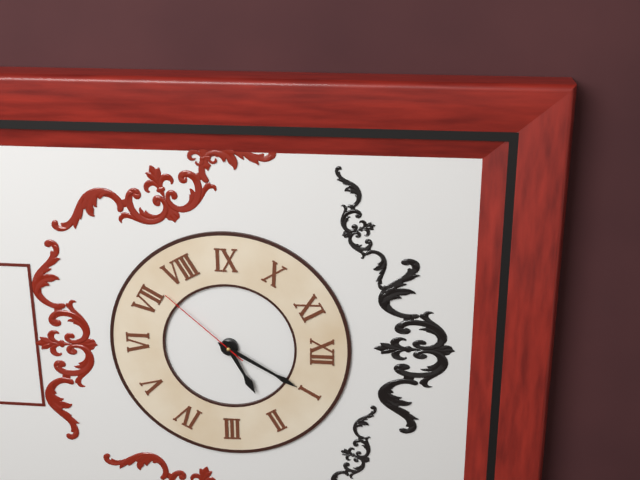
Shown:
h=2 m=5 s=37
